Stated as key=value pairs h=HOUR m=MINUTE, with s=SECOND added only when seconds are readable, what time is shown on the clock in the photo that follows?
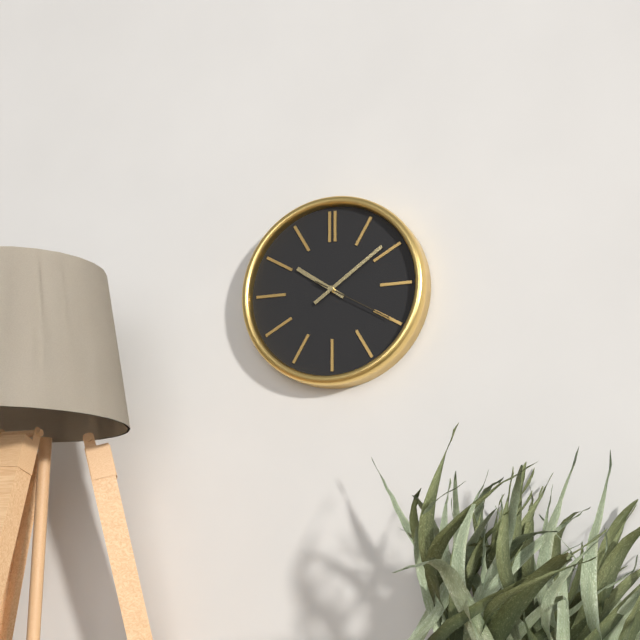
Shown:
h=10 m=9 s=20
